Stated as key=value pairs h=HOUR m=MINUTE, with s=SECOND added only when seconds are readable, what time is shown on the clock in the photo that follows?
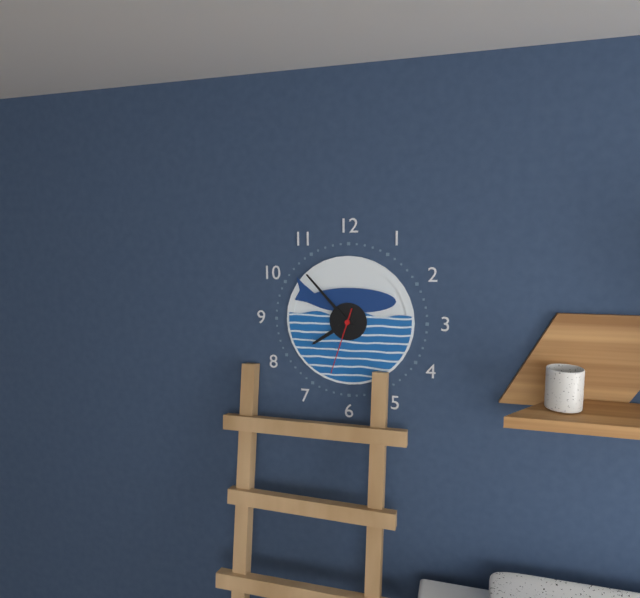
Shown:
h=7 m=53 s=33
